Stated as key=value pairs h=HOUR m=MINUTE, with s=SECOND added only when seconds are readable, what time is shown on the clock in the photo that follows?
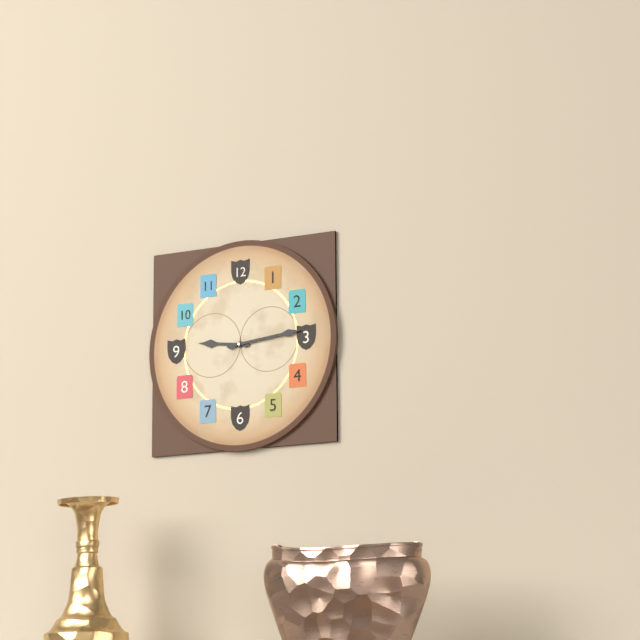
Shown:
h=9 m=14
